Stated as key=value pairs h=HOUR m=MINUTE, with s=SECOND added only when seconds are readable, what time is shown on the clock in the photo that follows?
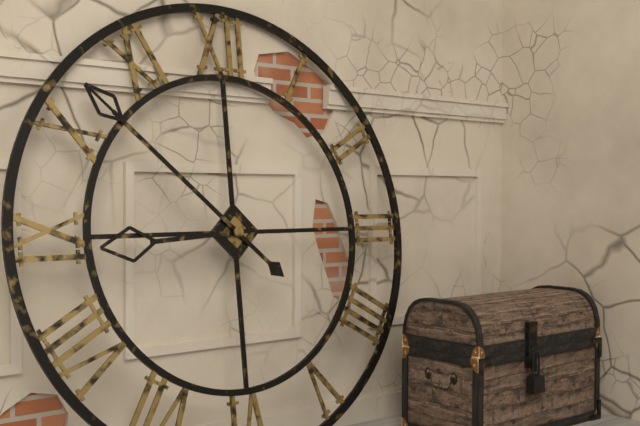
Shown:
h=8 m=52
